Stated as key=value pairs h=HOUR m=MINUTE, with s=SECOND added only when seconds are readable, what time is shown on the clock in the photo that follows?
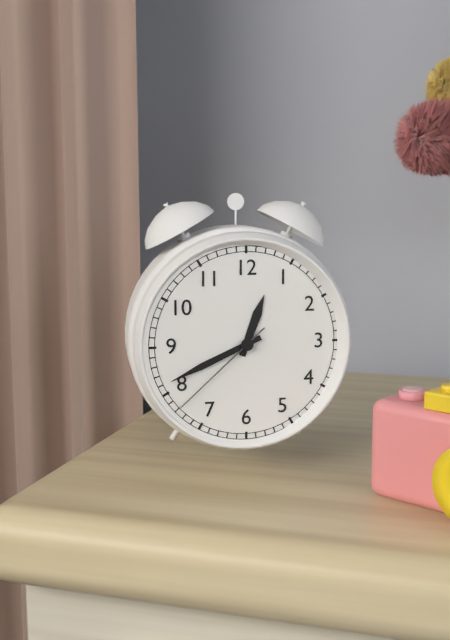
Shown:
h=12 m=41 s=38
